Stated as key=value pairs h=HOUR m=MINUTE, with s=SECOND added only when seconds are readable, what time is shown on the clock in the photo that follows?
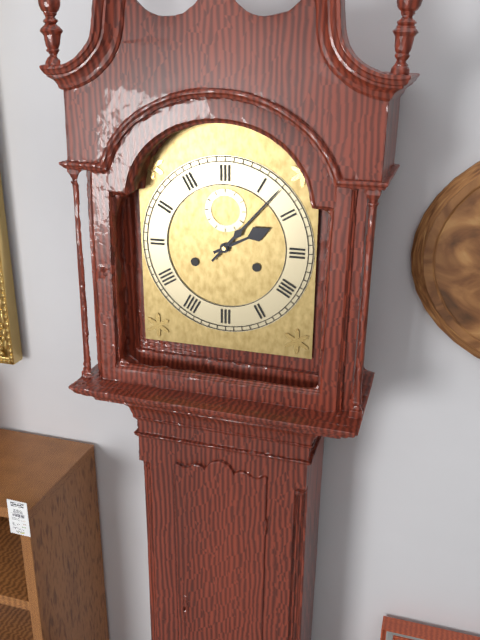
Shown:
h=2 m=7
